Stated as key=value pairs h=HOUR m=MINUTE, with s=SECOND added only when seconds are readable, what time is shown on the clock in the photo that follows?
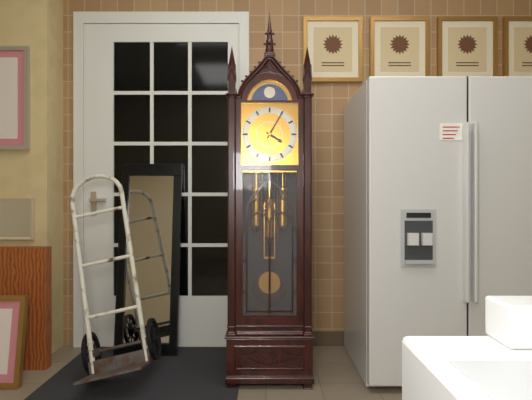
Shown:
h=4 m=5
